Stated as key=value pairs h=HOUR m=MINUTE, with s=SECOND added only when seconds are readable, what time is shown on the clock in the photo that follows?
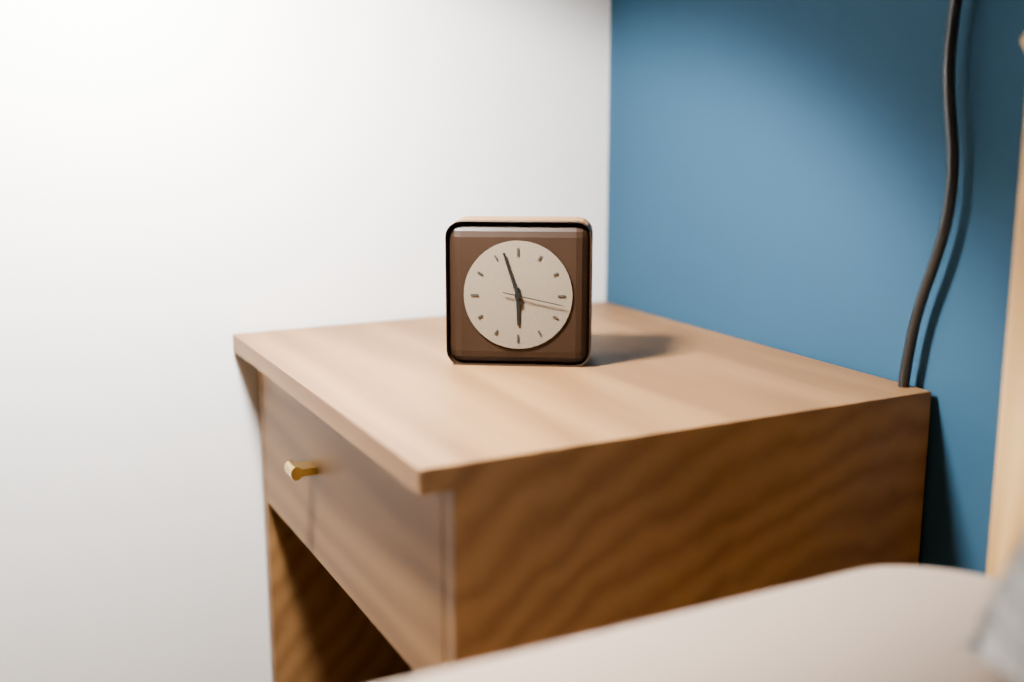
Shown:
h=5 m=57 s=17
